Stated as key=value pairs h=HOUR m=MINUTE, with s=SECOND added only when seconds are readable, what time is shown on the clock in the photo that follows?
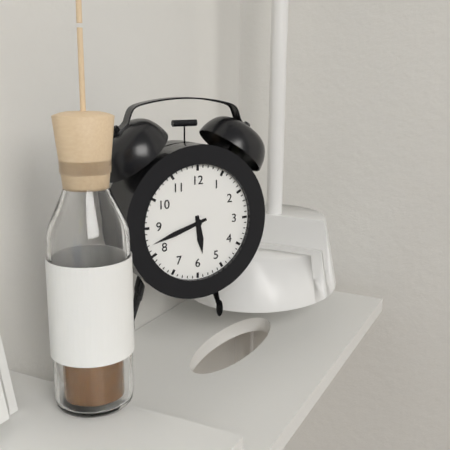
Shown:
h=5 m=42
